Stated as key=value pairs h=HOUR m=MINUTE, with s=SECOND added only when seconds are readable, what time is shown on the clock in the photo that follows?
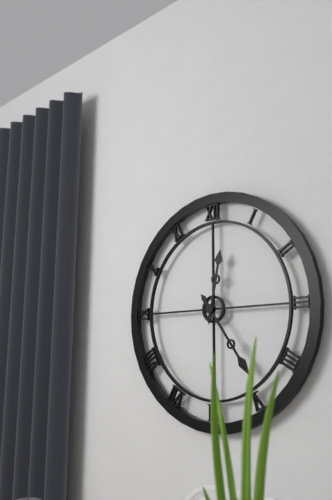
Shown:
h=12 m=24
